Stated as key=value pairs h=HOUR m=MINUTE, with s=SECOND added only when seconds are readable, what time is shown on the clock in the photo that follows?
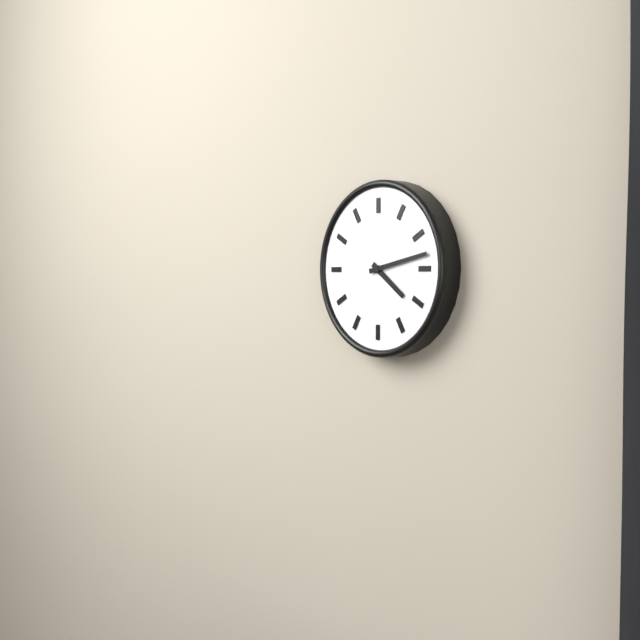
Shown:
h=4 m=13
